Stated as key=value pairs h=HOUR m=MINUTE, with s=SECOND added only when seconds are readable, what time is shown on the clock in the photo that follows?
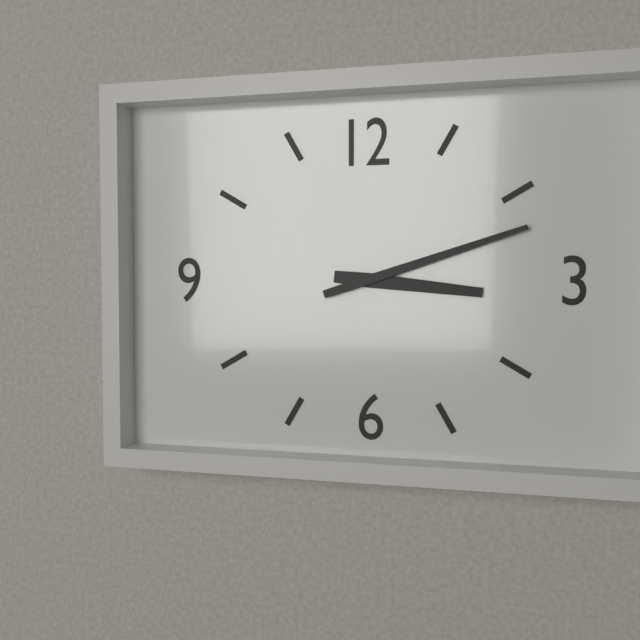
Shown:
h=3 m=12
